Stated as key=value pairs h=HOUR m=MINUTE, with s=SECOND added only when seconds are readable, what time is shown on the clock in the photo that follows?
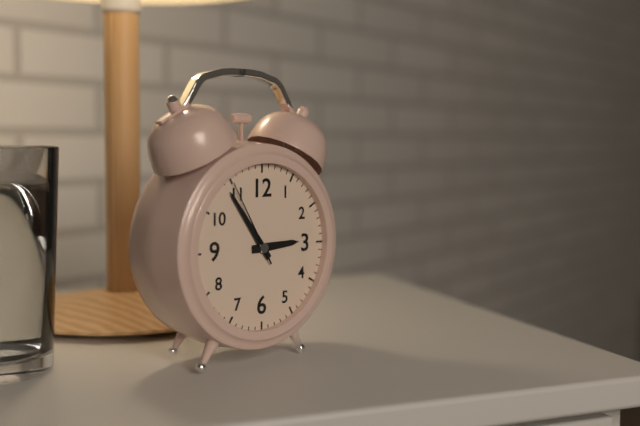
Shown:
h=2 m=54 s=55
